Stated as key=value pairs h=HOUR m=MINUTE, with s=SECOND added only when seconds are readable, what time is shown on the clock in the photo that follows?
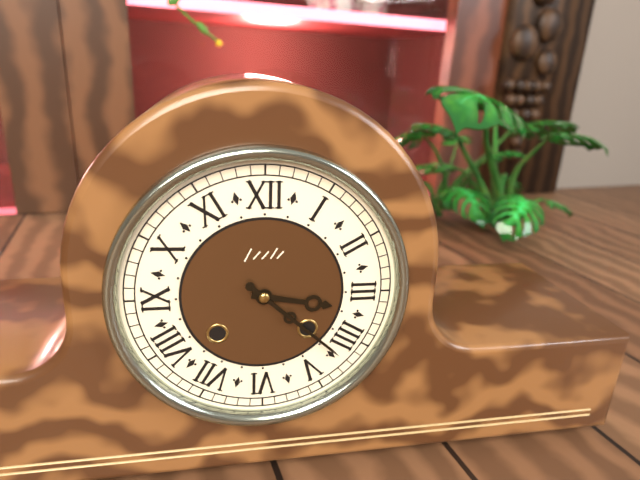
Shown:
h=3 m=22
